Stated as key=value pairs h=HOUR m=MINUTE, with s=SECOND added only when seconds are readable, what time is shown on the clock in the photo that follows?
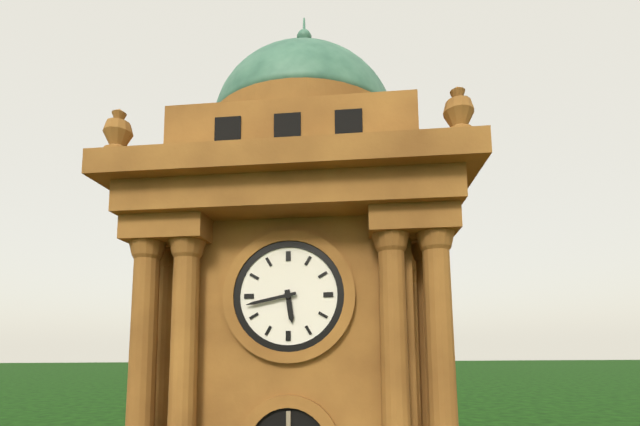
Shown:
h=5 m=43
